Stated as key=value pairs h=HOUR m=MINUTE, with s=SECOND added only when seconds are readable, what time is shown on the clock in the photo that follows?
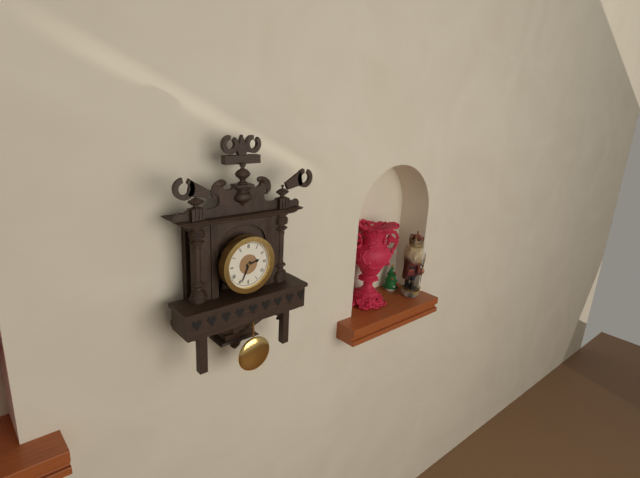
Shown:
h=2 m=34
